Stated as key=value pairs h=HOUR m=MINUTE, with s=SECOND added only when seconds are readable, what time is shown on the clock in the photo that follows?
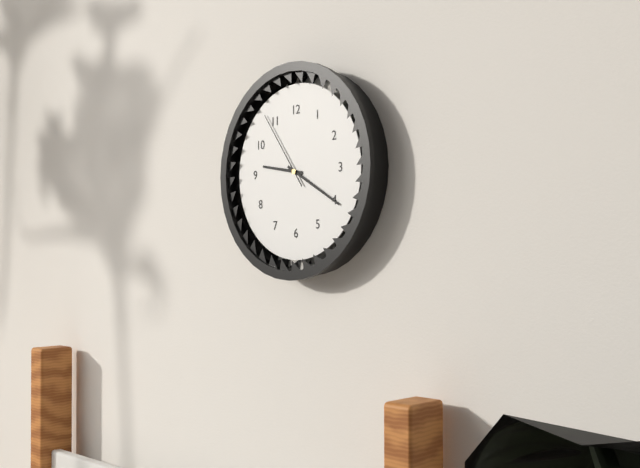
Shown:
h=9 m=20 s=54
